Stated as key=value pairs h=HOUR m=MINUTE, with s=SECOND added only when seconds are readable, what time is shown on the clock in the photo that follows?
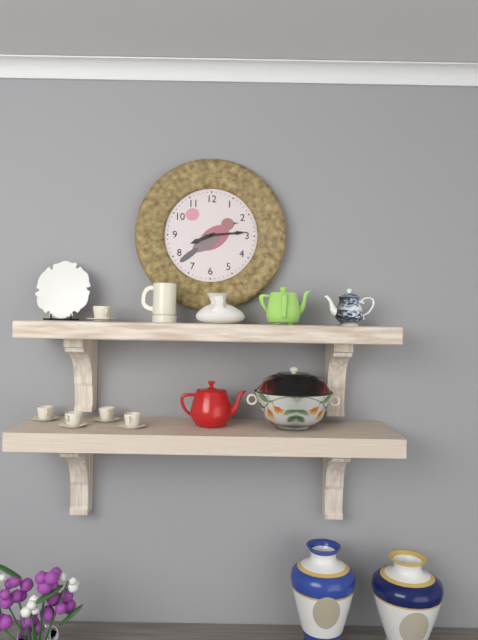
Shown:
h=8 m=14
